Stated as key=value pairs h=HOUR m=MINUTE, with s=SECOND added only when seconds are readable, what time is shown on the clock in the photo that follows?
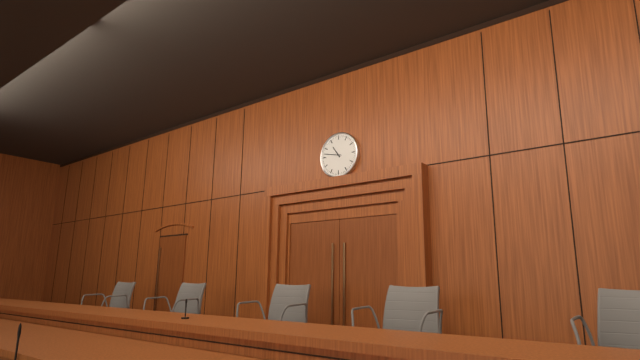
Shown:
h=10 m=47
